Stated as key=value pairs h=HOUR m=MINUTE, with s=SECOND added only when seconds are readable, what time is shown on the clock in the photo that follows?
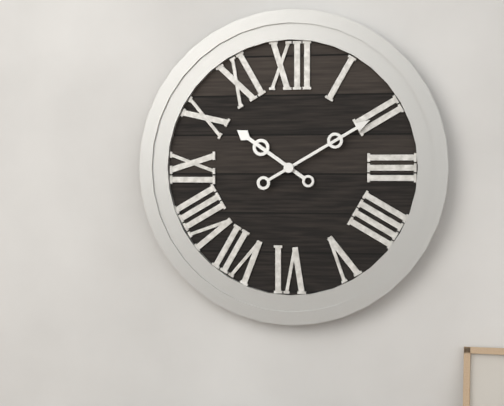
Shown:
h=10 m=10
